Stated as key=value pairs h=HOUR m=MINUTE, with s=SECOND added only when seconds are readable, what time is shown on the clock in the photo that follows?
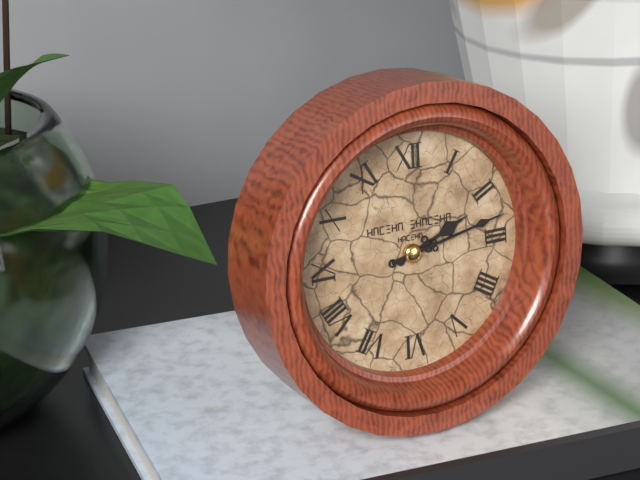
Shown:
h=2 m=13
